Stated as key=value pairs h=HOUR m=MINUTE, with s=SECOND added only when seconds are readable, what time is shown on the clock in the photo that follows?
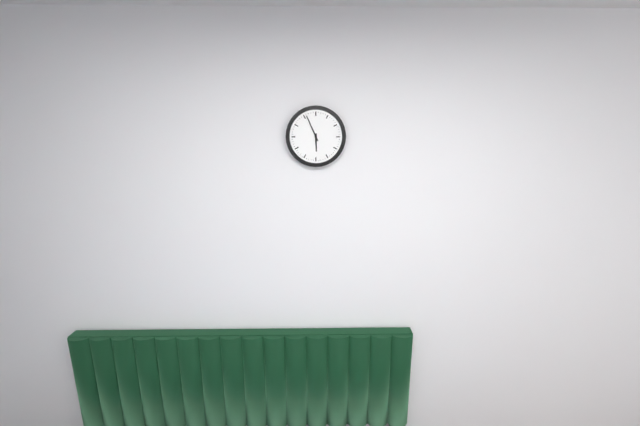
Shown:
h=5 m=56
